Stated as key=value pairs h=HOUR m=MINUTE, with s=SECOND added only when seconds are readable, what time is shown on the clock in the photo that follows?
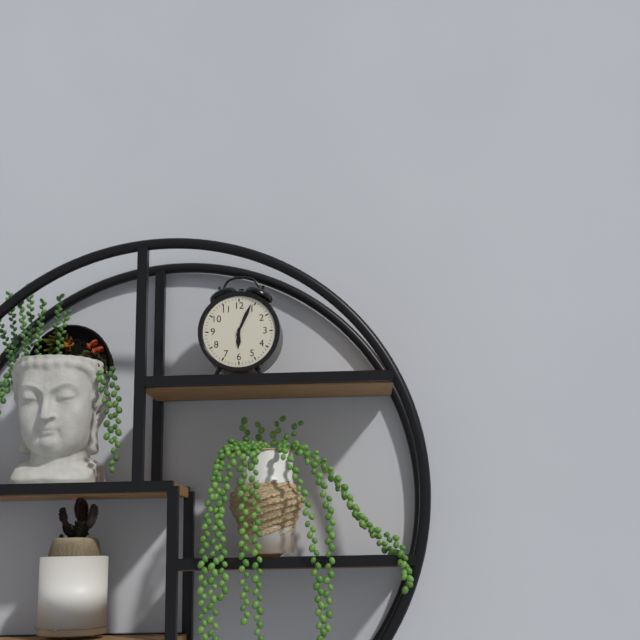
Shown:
h=6 m=4
